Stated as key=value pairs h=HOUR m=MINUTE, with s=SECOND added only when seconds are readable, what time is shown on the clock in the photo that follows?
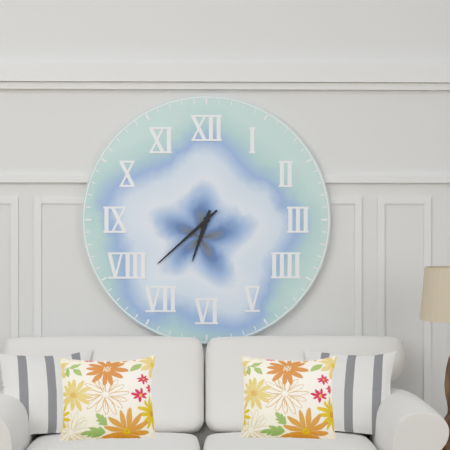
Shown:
h=6 m=38
